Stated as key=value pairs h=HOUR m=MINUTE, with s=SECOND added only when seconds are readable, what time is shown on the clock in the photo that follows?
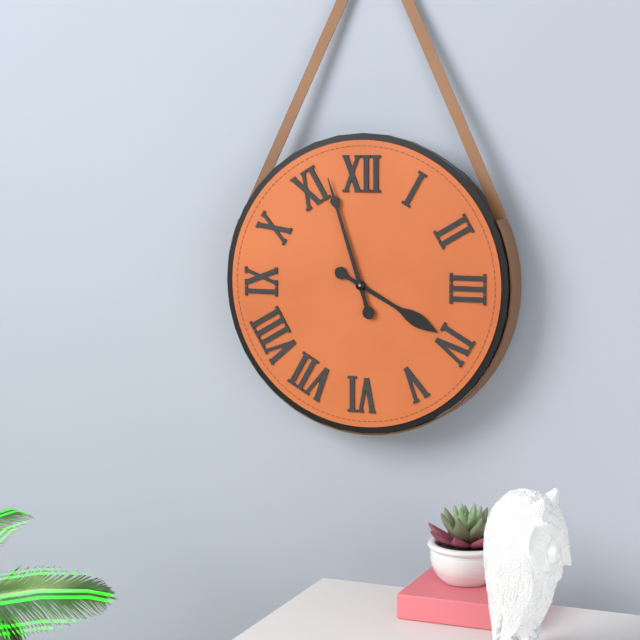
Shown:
h=3 m=57
